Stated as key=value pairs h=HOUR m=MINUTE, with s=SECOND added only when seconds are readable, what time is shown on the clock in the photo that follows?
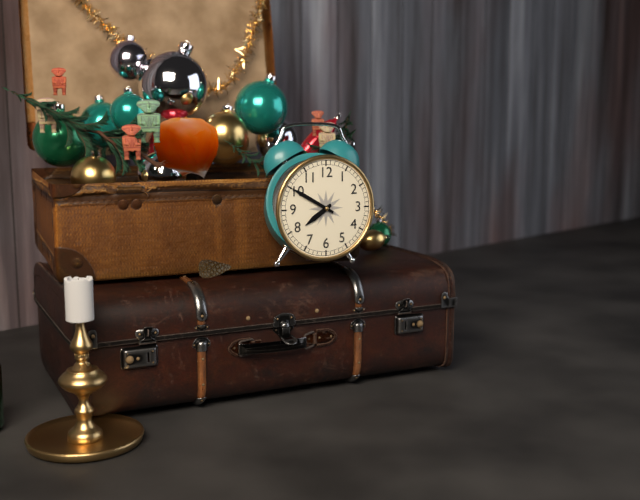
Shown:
h=7 m=50
